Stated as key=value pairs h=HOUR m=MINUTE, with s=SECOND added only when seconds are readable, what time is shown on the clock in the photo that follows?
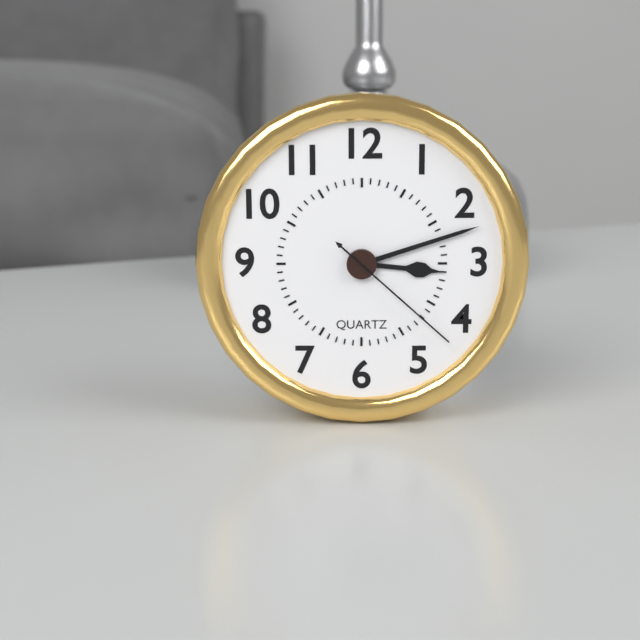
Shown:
h=3 m=12 s=22
